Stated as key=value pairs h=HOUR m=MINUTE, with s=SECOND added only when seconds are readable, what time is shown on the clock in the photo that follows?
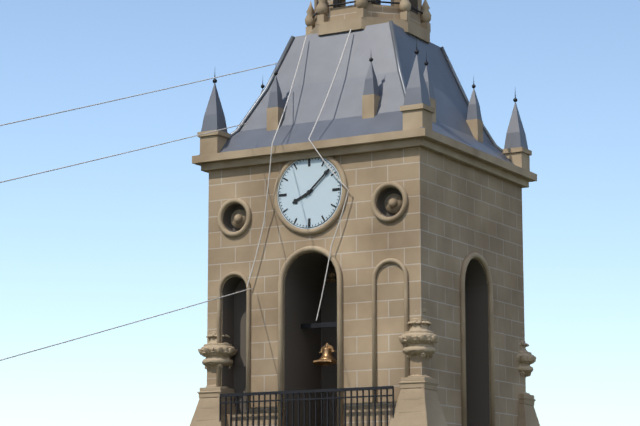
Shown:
h=8 m=8
